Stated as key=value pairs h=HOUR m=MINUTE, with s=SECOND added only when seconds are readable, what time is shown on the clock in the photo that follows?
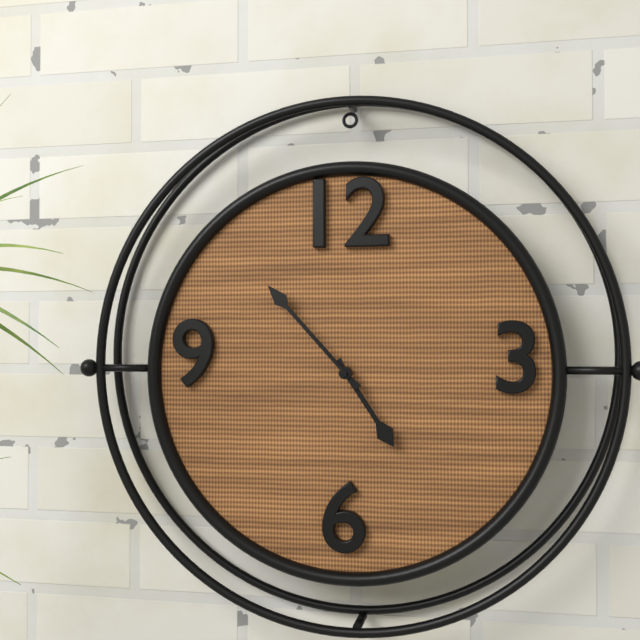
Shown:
h=4 m=53
